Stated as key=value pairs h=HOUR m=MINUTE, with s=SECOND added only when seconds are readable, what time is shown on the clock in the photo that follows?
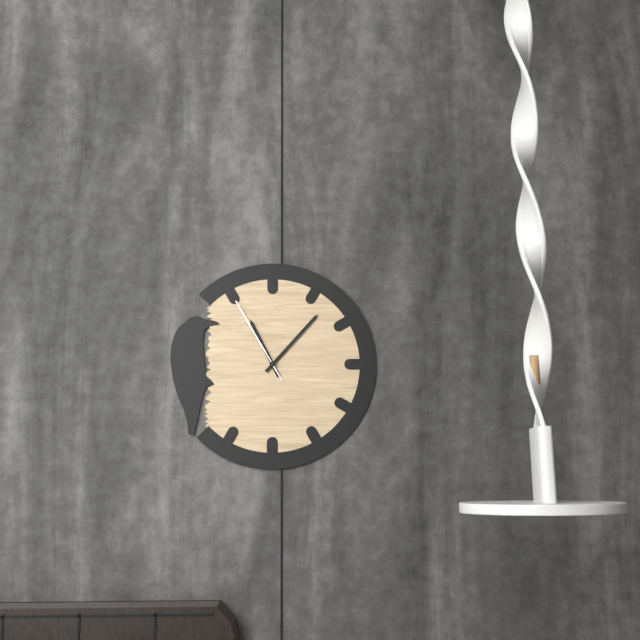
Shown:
h=11 m=7 s=55
